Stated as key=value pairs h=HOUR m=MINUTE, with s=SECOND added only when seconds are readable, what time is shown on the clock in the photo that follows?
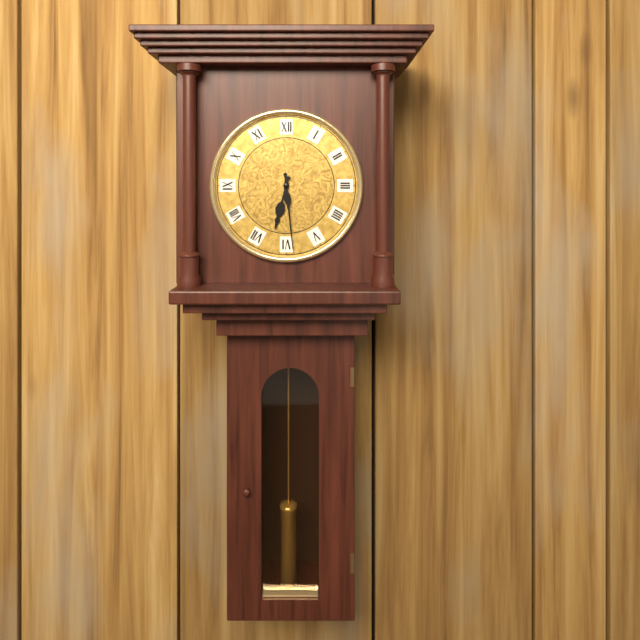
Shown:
h=6 m=29
